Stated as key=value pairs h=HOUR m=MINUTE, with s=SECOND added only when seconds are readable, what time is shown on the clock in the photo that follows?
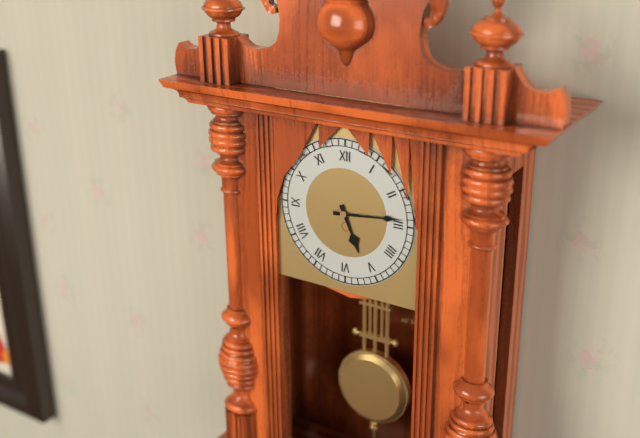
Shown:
h=5 m=14
